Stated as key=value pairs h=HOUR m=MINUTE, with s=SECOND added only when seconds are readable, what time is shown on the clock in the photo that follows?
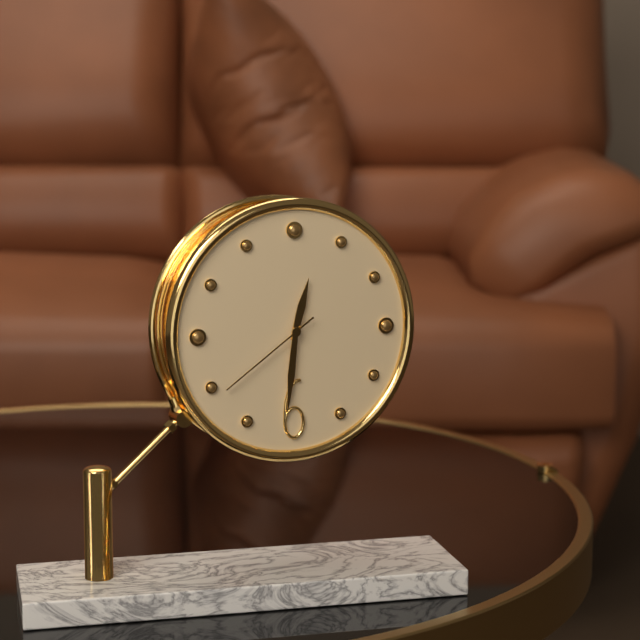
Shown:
h=12 m=31 s=39
